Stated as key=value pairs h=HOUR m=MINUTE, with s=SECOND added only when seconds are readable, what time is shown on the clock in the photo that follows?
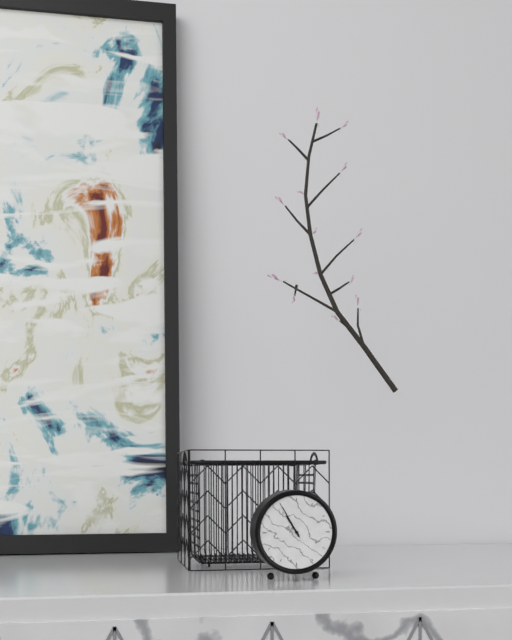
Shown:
h=10 m=55
